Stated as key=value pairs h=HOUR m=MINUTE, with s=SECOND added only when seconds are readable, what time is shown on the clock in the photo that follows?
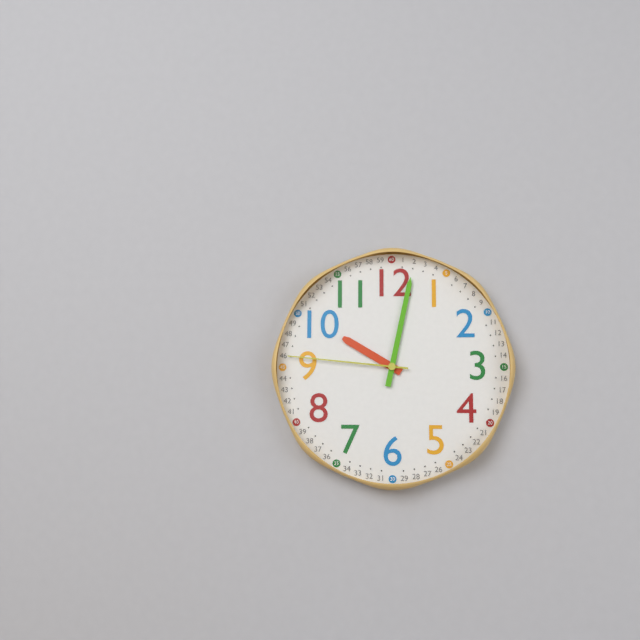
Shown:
h=10 m=2 s=46
